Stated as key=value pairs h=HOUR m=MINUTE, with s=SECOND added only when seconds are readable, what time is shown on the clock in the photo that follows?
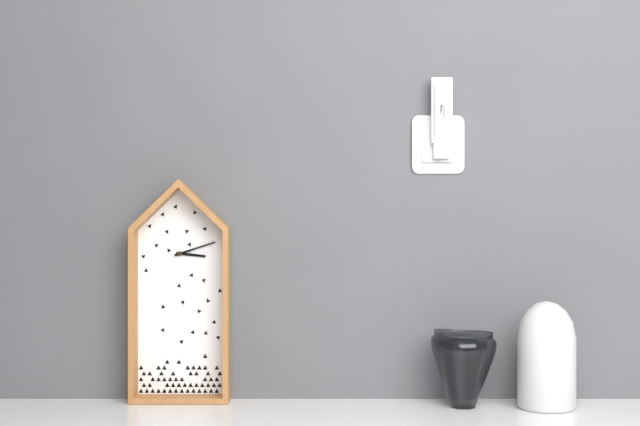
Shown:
h=3 m=12
